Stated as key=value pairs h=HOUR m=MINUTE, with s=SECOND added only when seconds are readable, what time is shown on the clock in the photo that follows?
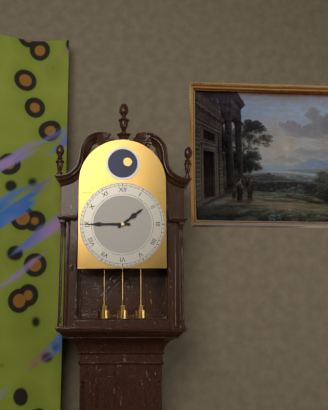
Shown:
h=1 m=45
